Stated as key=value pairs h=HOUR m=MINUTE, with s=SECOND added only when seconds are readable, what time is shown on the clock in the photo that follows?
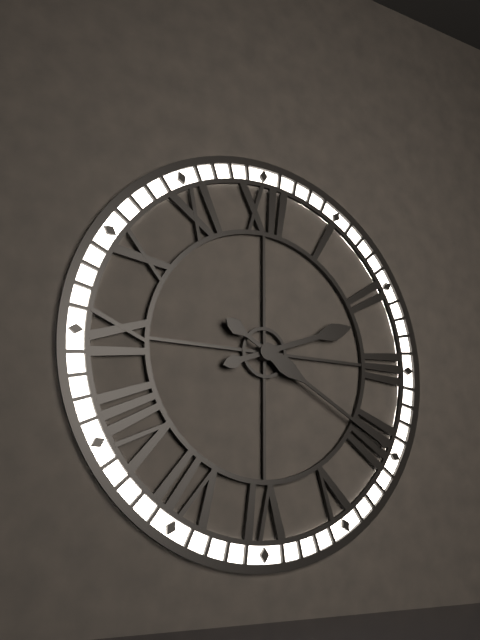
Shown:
h=2 m=20
